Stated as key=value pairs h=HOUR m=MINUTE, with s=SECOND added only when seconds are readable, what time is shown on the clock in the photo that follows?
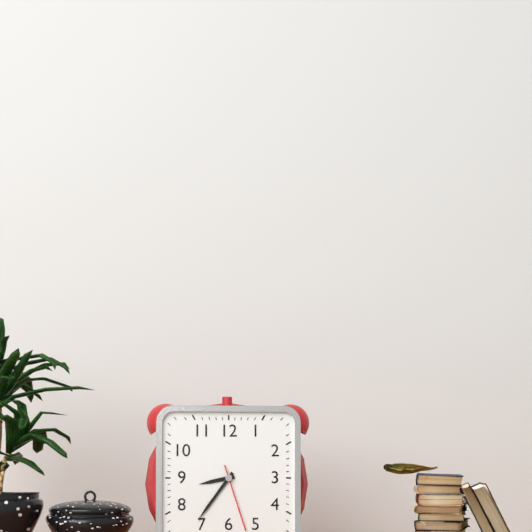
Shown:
h=8 m=36 s=27
